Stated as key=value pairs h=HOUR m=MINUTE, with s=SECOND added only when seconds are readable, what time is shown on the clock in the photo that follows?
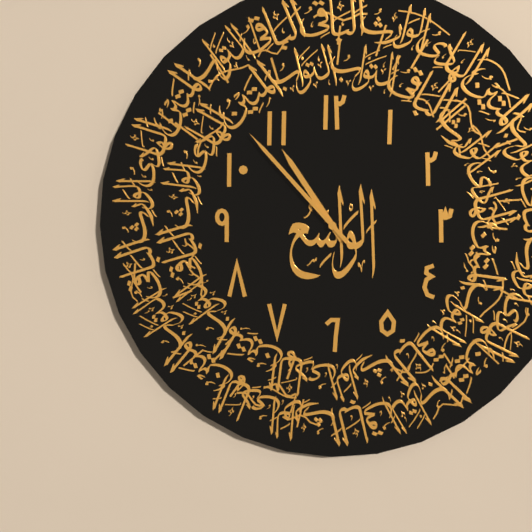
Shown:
h=10 m=53
